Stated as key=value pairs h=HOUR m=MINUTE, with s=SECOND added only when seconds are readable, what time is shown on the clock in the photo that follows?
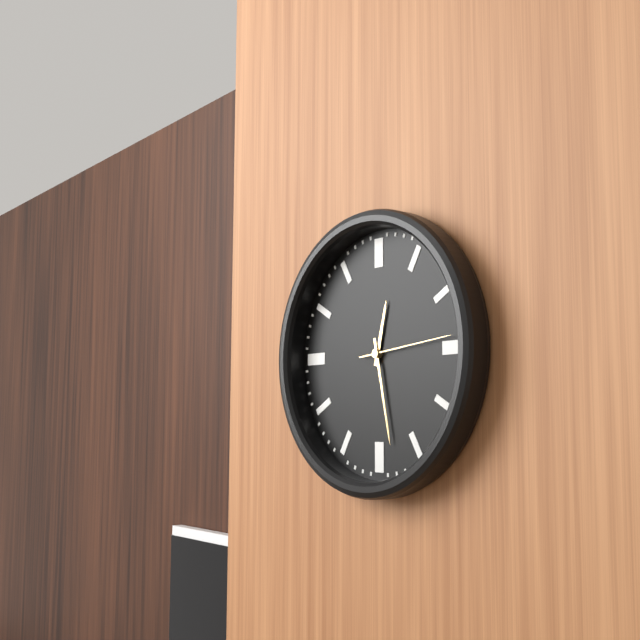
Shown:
h=12 m=28 s=14
